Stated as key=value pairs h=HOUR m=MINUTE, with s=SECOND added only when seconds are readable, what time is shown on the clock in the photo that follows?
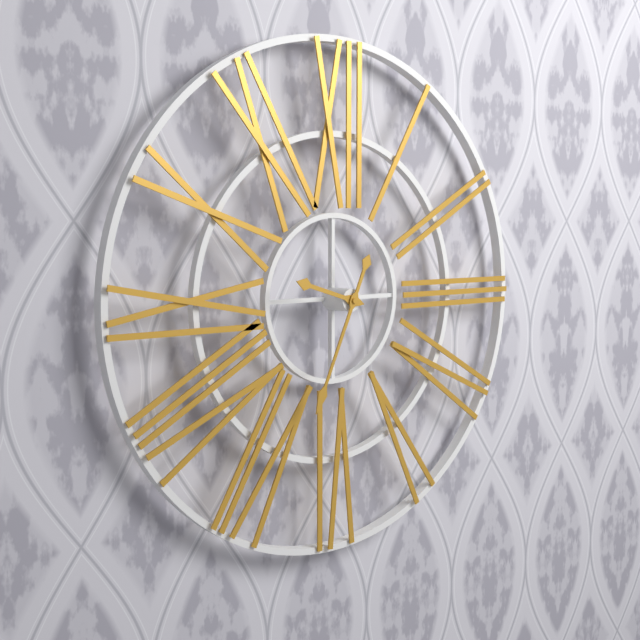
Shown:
h=9 m=34
